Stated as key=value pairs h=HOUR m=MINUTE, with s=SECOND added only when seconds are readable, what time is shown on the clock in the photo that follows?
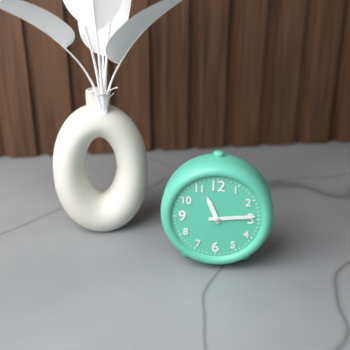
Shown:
h=11 m=14
